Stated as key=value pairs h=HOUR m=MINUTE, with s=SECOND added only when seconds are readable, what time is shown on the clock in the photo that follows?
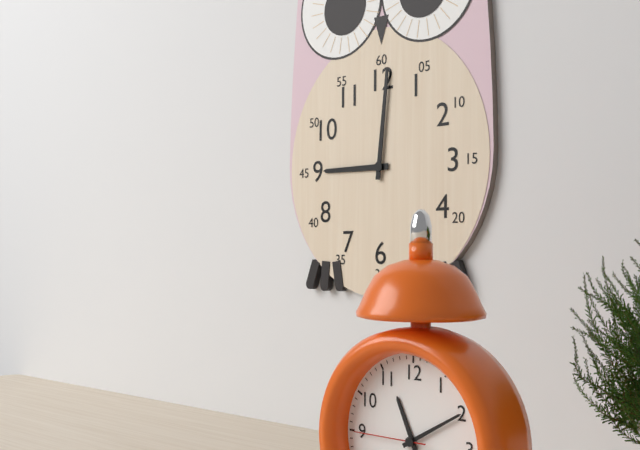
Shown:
h=9 m=1
